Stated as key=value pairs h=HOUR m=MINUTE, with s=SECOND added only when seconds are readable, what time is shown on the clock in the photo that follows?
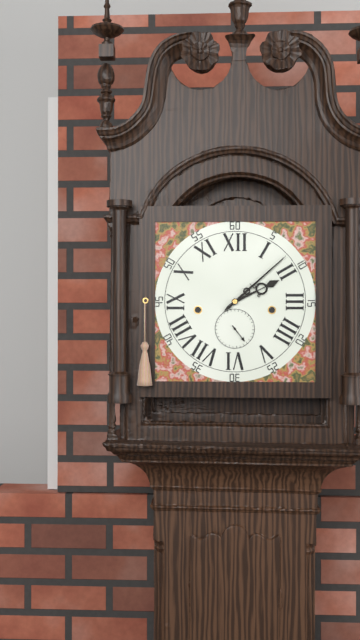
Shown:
h=2 m=8
